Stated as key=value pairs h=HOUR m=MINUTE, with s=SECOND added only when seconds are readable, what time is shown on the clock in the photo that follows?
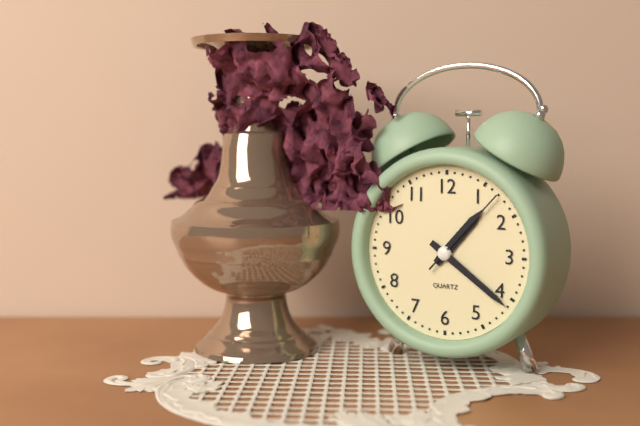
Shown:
h=1 m=21 s=7
